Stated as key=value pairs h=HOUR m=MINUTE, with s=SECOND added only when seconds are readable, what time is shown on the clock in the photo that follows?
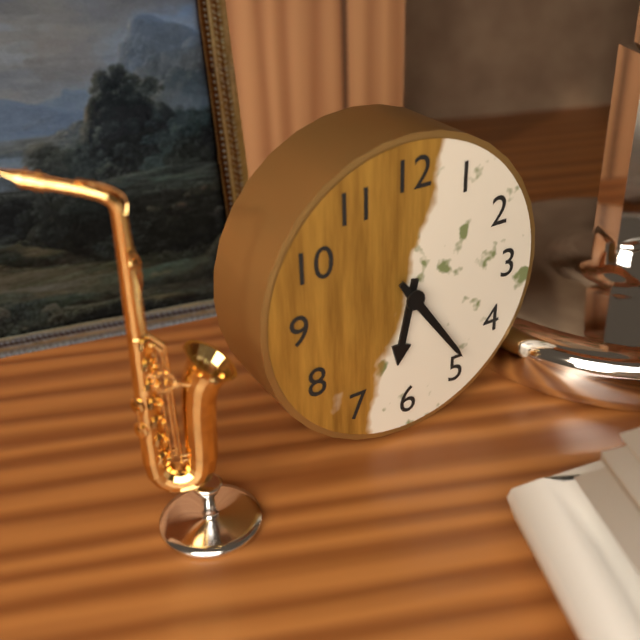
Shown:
h=6 m=24
